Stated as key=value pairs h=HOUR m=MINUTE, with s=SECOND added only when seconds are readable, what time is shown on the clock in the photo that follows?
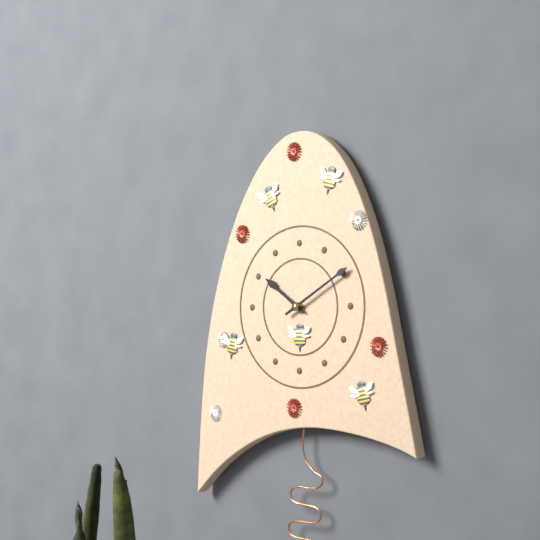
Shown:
h=10 m=10
